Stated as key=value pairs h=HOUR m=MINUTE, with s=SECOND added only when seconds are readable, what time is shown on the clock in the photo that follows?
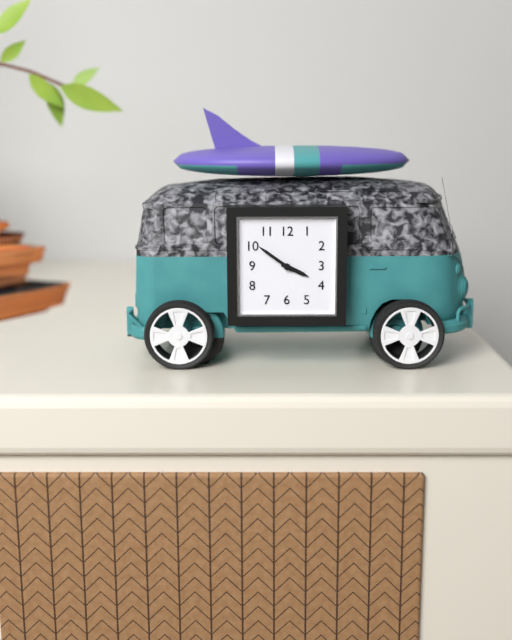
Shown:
h=3 m=51
